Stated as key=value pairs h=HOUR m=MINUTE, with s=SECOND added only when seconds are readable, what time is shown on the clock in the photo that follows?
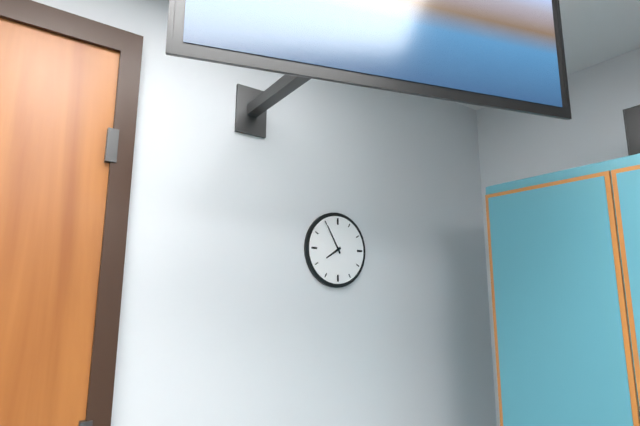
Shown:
h=7 m=55
